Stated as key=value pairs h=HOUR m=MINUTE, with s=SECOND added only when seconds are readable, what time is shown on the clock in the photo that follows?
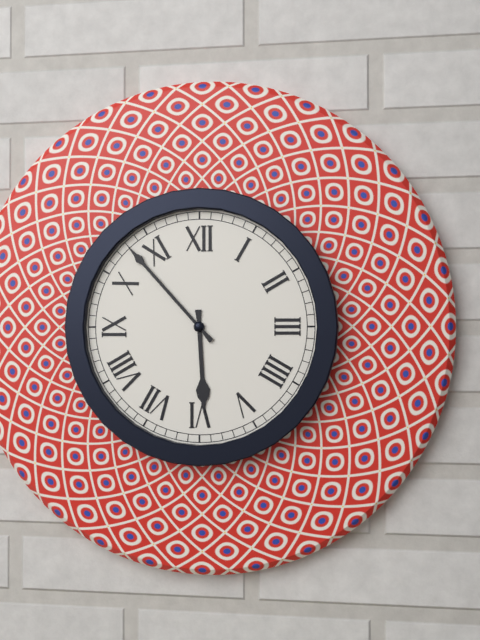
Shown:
h=5 m=53
